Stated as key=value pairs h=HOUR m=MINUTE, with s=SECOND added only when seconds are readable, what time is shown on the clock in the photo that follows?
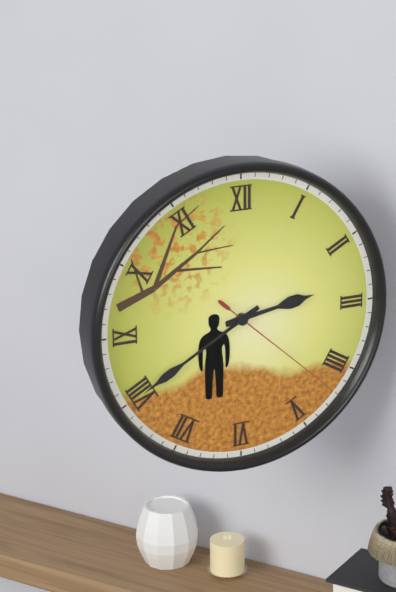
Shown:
h=2 m=40 s=22
